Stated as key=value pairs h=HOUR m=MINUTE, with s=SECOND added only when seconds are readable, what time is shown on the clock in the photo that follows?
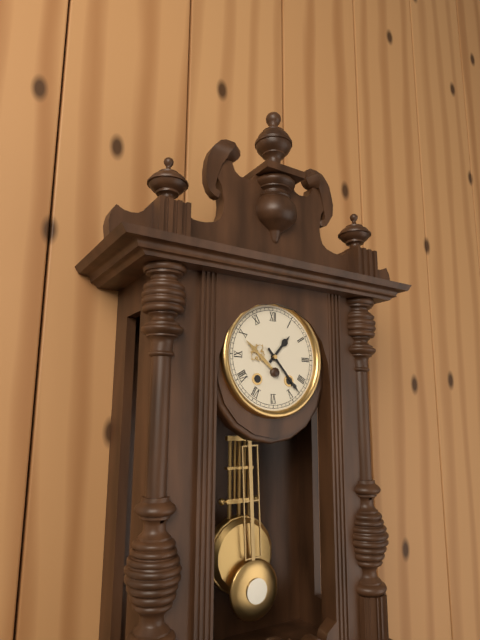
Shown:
h=1 m=23
